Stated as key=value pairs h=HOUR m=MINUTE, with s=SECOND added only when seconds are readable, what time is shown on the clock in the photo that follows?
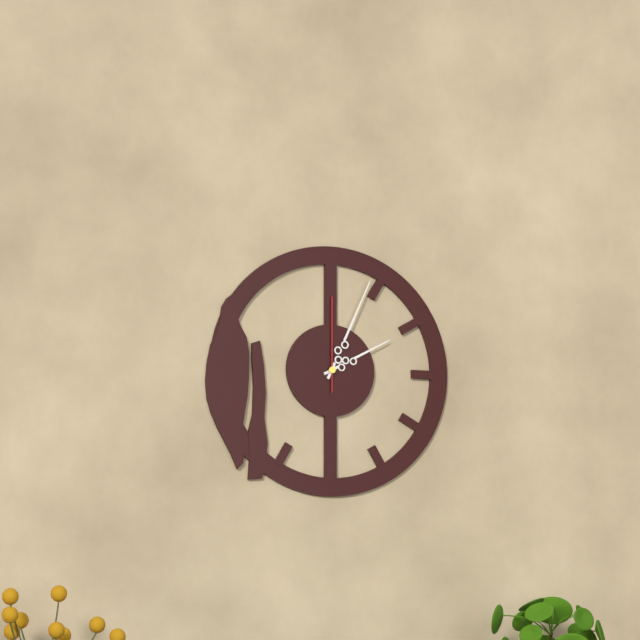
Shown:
h=2 m=4 s=0
